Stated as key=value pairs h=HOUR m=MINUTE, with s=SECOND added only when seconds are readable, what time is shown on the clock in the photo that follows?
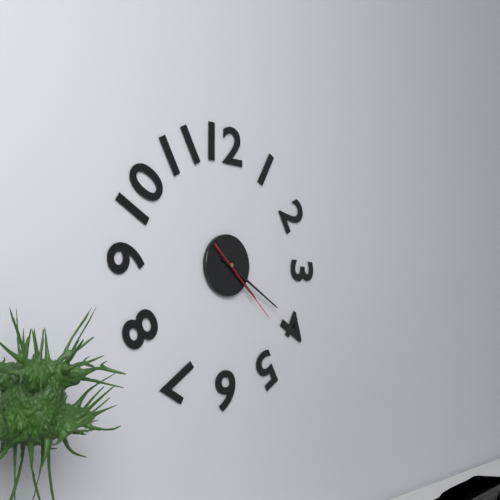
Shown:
h=4 m=20 s=22
